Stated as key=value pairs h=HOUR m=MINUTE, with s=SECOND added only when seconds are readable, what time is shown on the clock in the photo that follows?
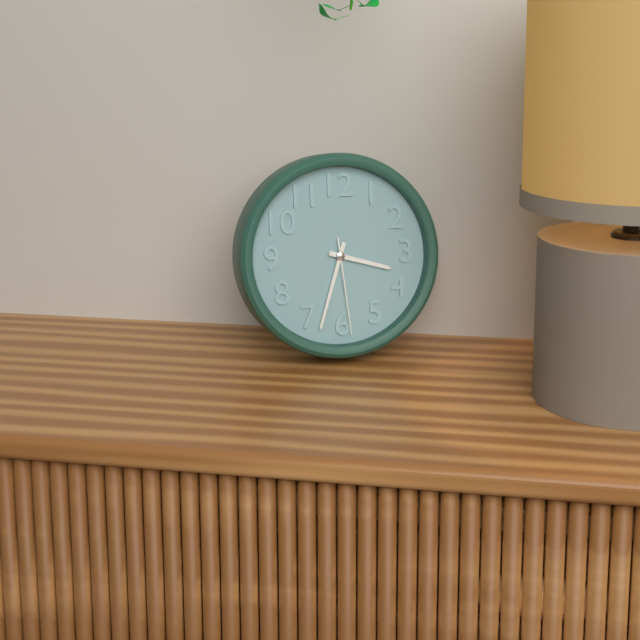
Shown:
h=3 m=33 s=29
